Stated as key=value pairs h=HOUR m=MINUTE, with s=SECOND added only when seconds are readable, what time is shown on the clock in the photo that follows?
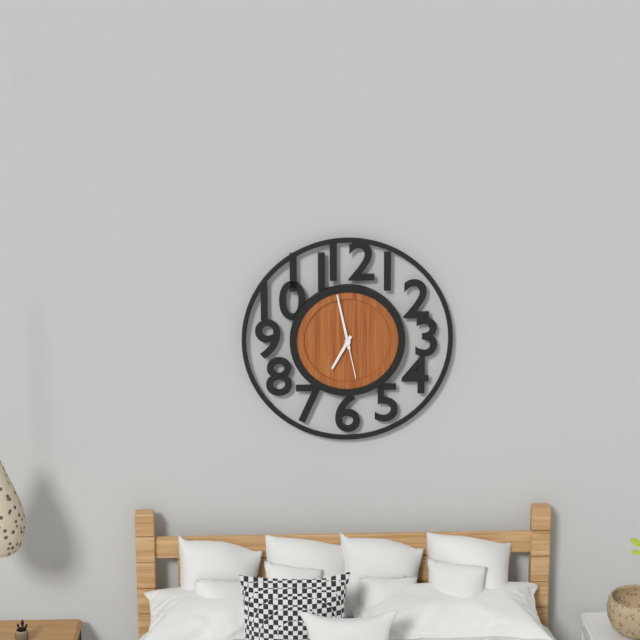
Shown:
h=6 m=58
